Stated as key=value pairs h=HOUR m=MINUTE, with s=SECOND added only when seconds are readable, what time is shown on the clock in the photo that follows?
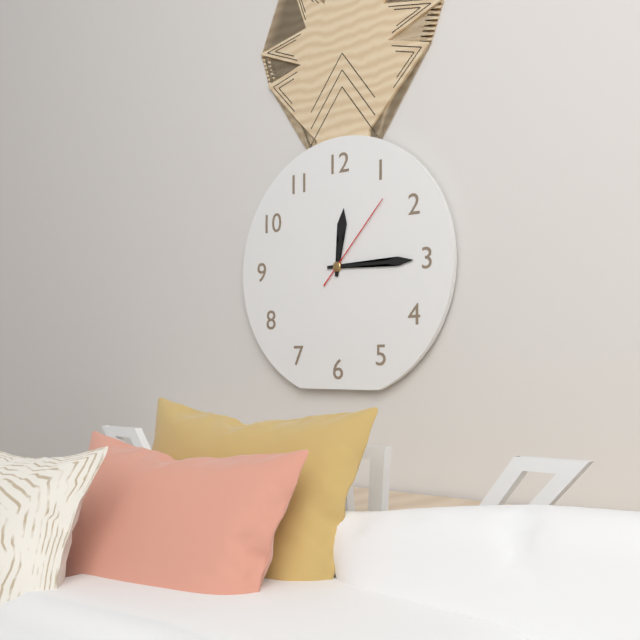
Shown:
h=12 m=15 s=7
